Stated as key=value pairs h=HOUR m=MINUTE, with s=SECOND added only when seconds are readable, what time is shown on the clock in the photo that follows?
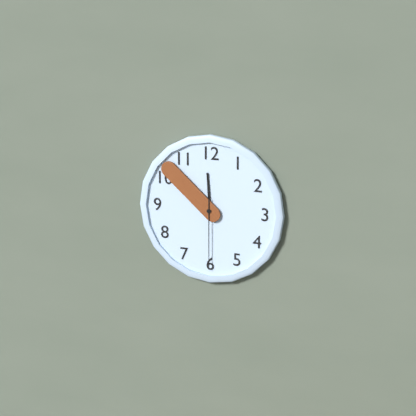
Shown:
h=11 m=52 s=30
